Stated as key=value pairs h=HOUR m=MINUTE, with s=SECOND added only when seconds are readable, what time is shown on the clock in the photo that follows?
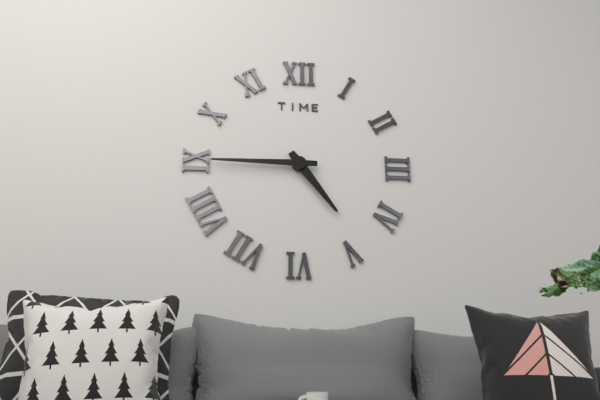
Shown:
h=4 m=45
